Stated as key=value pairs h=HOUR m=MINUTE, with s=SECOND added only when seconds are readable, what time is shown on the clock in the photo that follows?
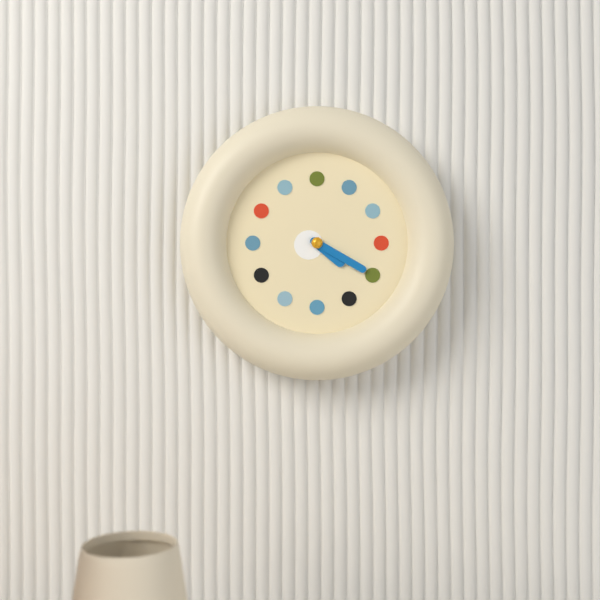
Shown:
h=4 m=20
